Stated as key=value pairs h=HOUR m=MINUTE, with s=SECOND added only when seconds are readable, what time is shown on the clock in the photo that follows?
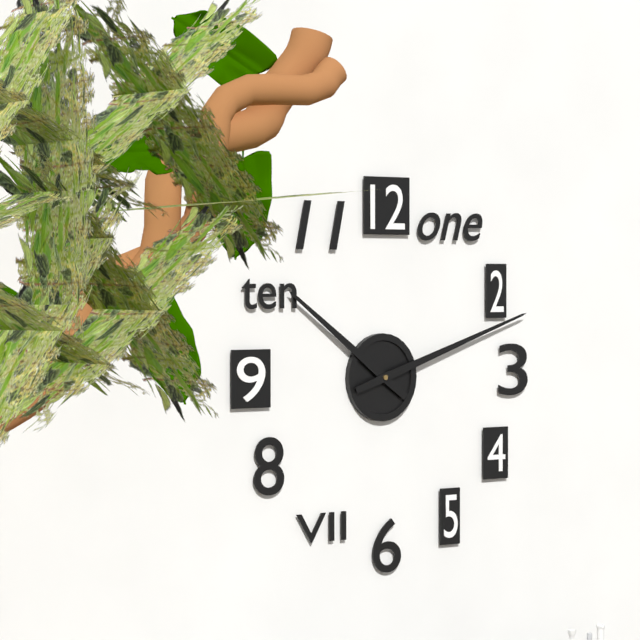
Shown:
h=10 m=12
